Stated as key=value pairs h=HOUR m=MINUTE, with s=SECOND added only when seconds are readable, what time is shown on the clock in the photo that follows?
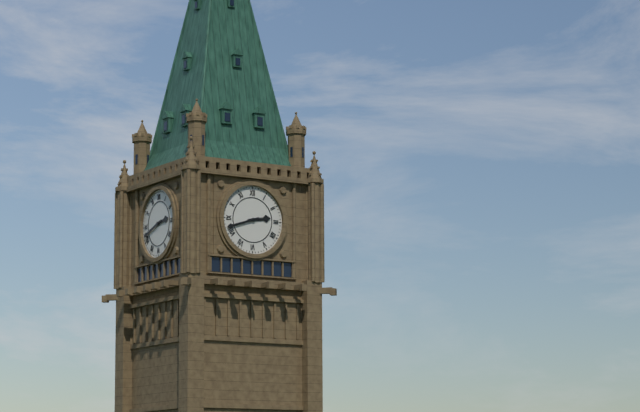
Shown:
h=2 m=42
